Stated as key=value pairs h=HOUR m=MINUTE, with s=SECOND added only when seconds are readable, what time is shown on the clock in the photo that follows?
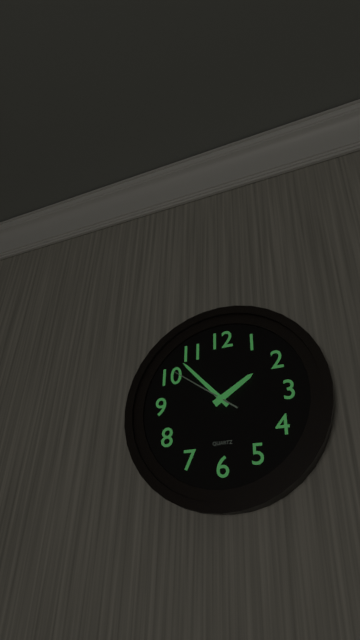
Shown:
h=1 m=53 s=51
